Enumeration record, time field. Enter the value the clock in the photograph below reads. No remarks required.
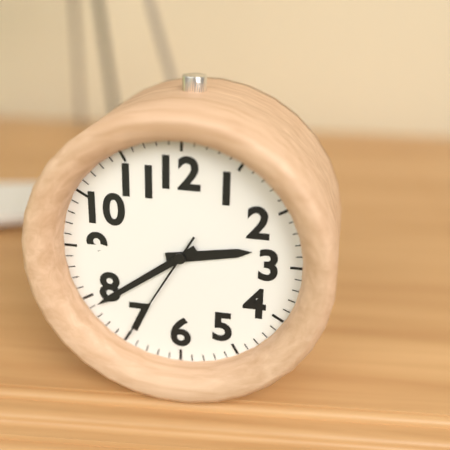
2:39:35
